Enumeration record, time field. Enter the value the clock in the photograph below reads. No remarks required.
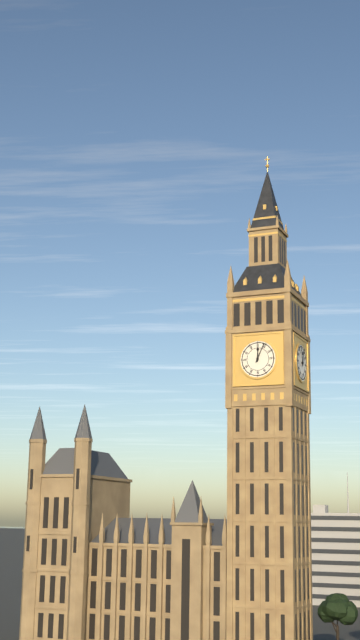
12:04
